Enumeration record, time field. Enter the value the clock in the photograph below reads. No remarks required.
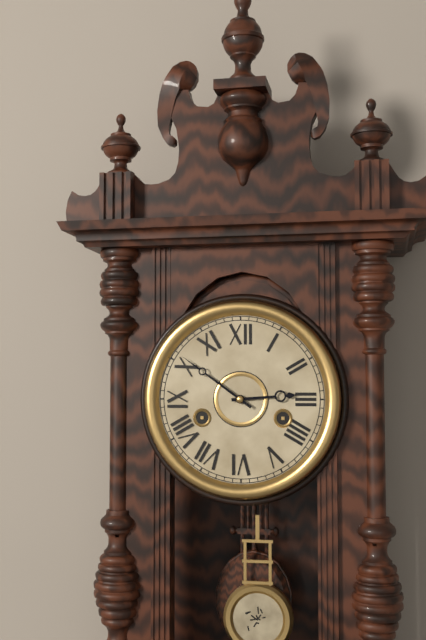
2:51
